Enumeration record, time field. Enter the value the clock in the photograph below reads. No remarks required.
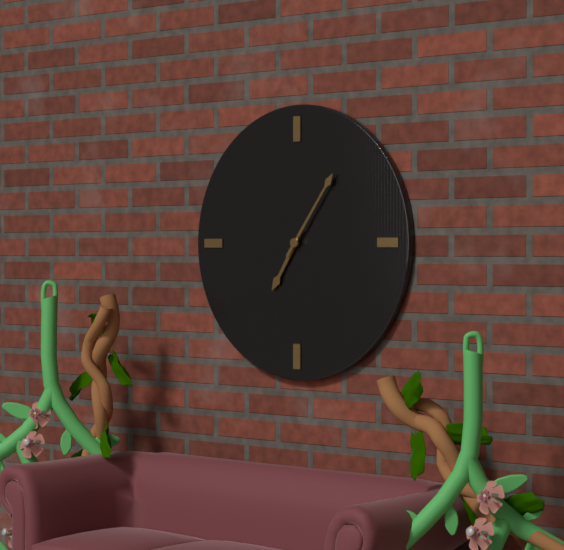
7:06
